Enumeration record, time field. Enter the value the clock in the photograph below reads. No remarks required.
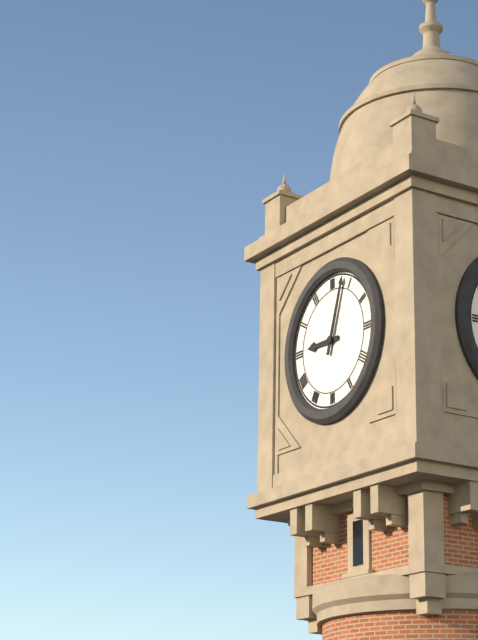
9:03
